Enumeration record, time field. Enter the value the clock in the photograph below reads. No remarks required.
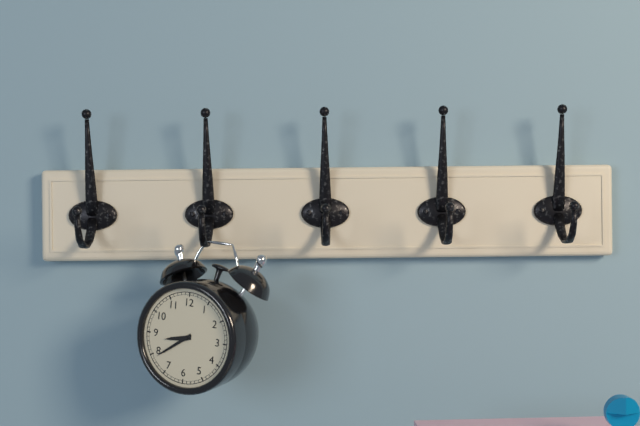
8:39
